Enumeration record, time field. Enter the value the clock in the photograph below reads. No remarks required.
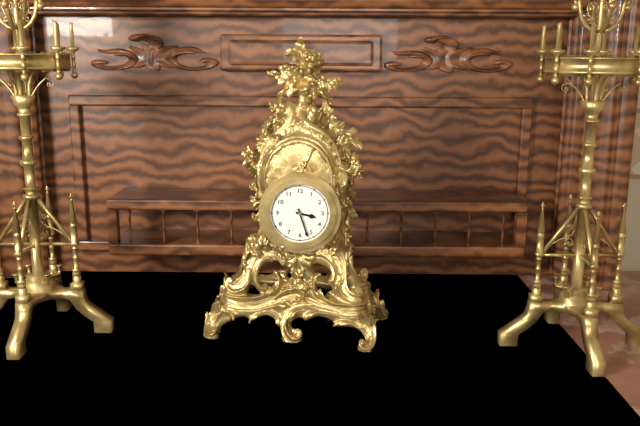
3:27
